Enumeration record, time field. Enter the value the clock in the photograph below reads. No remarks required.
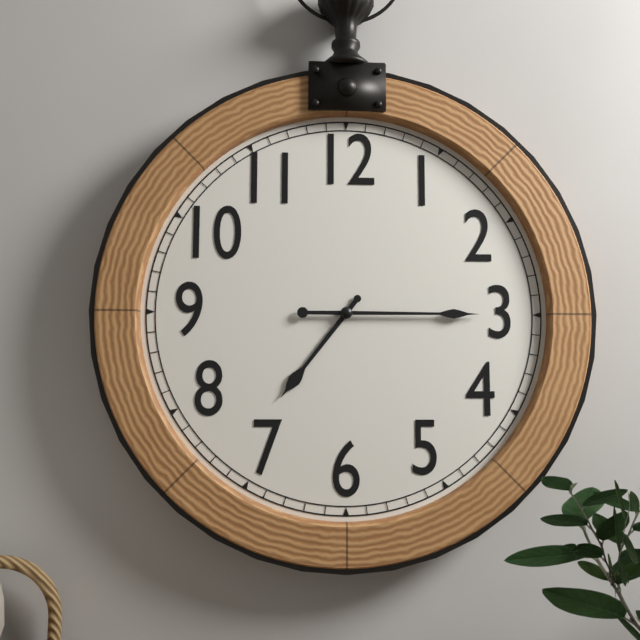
7:15
